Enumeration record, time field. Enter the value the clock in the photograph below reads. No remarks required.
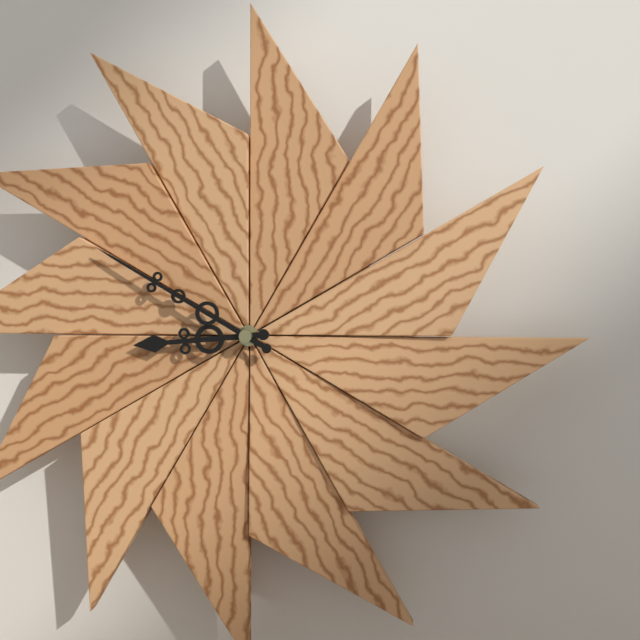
8:50
